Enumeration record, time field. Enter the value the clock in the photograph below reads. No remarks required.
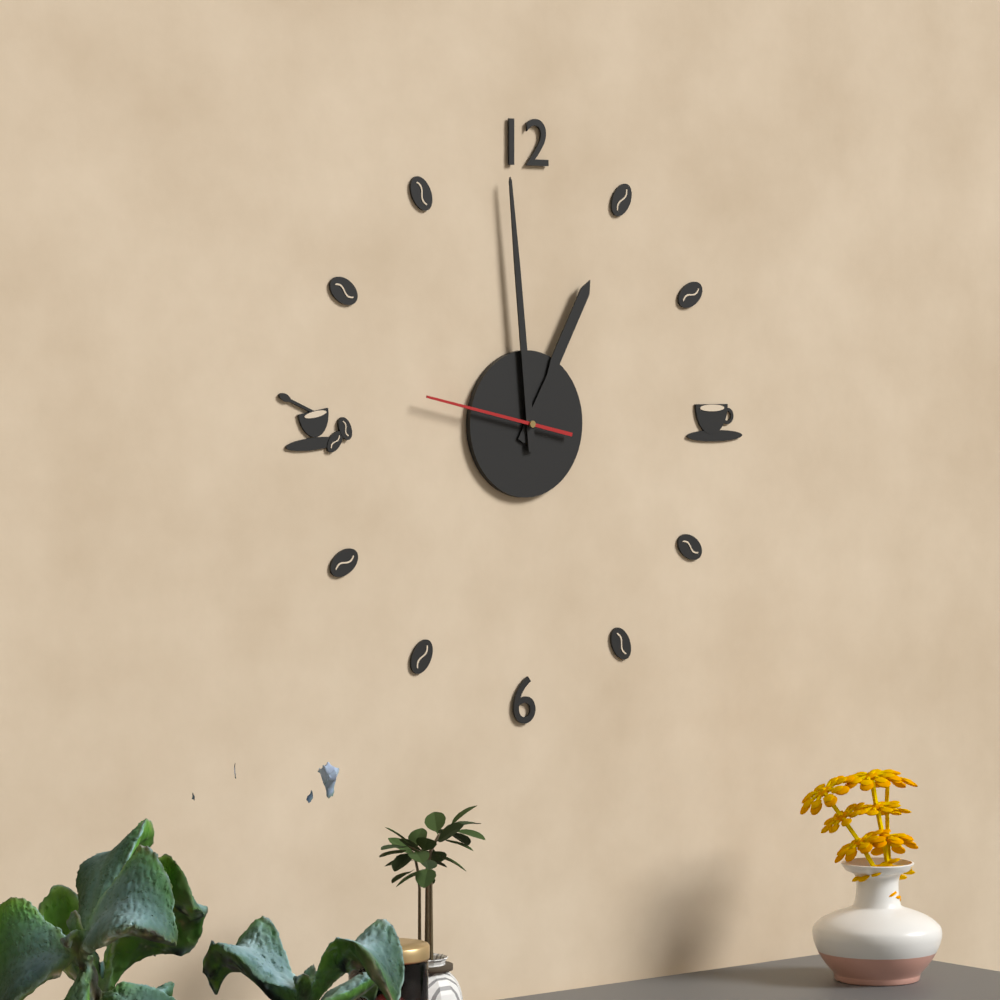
12:59:47
